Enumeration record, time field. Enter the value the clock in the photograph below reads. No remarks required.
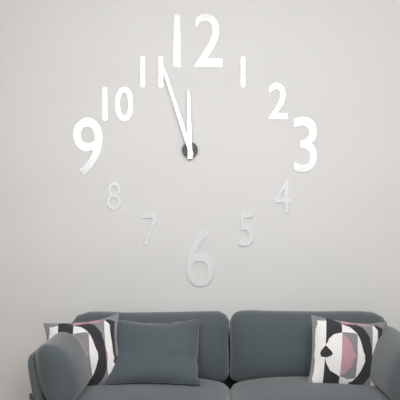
11:57
